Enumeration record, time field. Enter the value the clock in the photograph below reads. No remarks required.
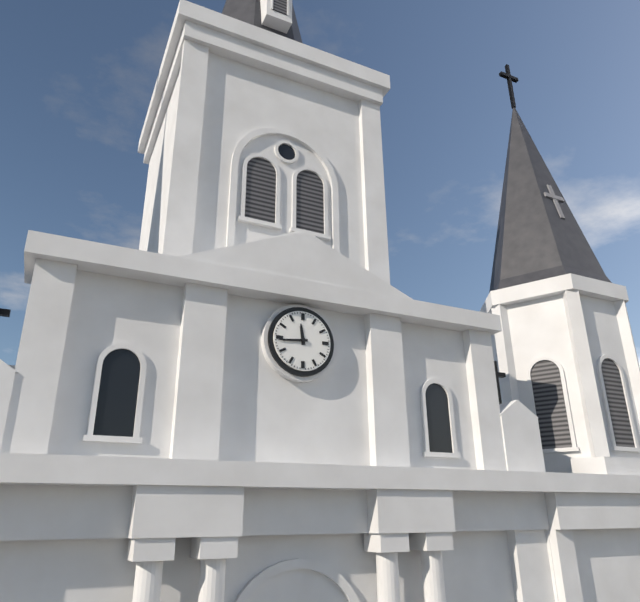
11:44
